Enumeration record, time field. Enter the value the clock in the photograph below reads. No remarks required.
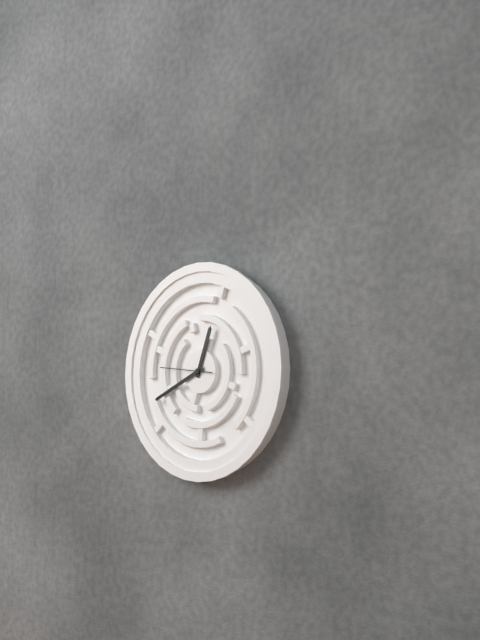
12:41
